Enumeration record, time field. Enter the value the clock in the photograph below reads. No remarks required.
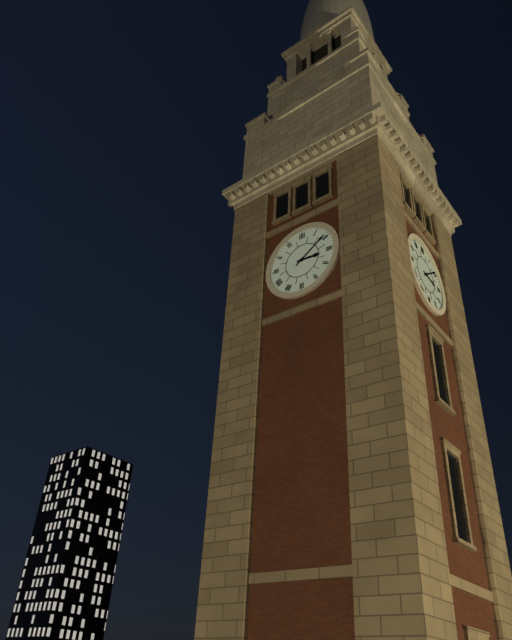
3:09
